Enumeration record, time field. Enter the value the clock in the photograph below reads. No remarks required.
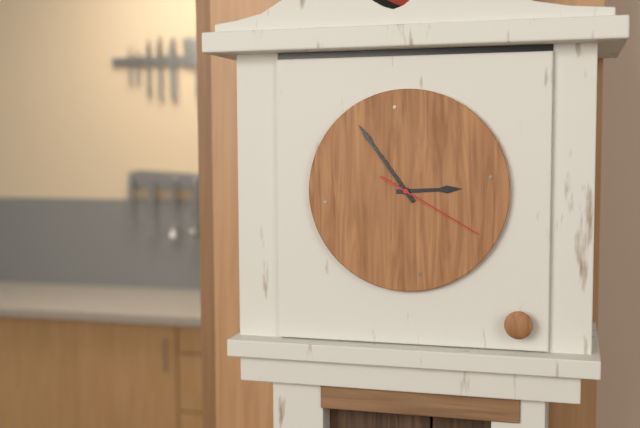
2:54:20
